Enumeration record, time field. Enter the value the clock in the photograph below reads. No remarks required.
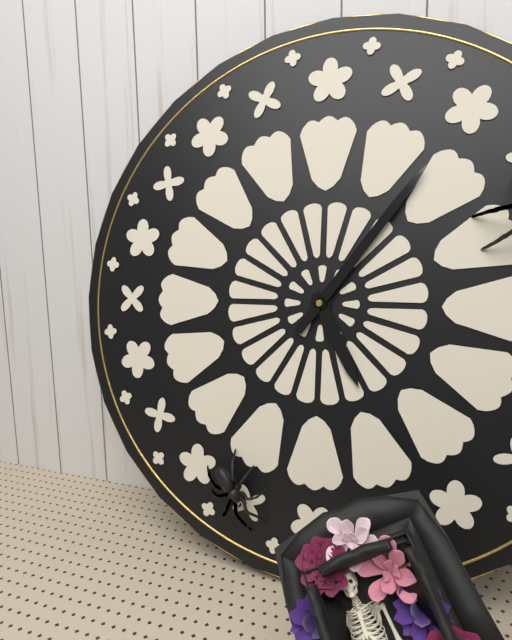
5:06
